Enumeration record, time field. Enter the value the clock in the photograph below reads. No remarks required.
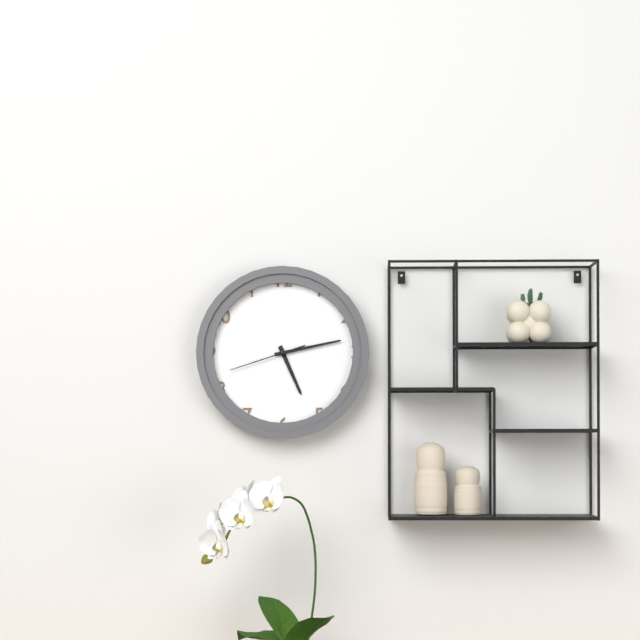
5:13:42
